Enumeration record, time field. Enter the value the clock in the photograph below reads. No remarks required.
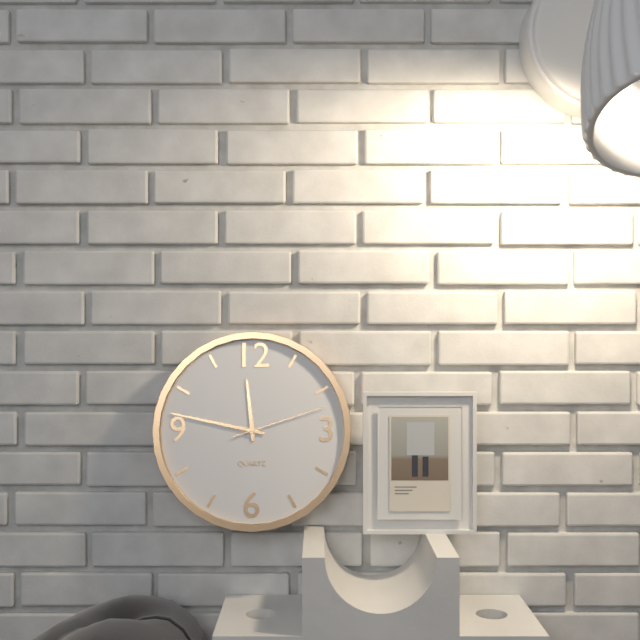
11:47:12
